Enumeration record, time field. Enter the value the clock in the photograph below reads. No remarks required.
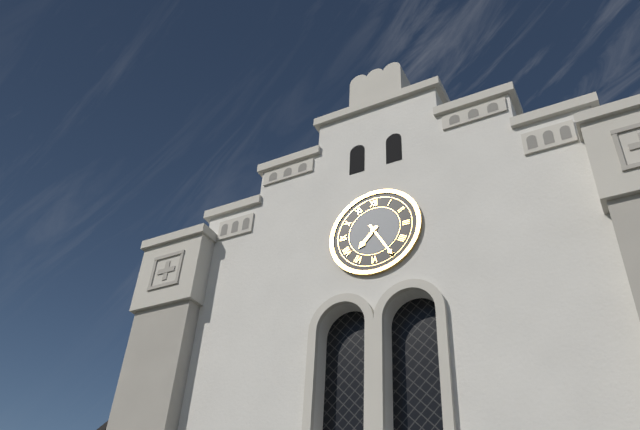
7:25
